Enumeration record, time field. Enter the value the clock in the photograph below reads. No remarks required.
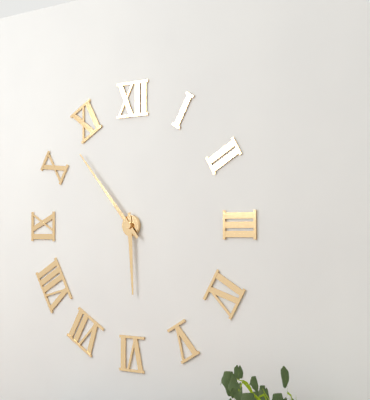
5:53
